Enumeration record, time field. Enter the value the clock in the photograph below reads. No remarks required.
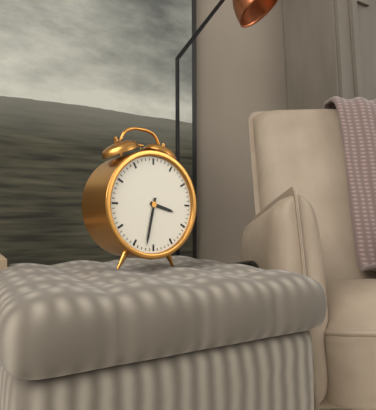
3:32
